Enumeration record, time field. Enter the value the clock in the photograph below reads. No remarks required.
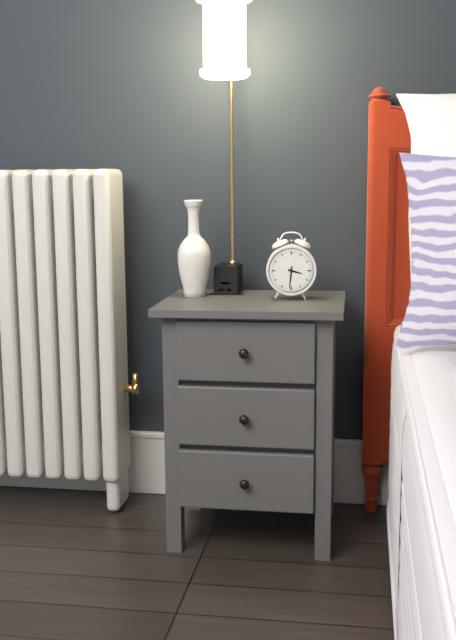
3:31
